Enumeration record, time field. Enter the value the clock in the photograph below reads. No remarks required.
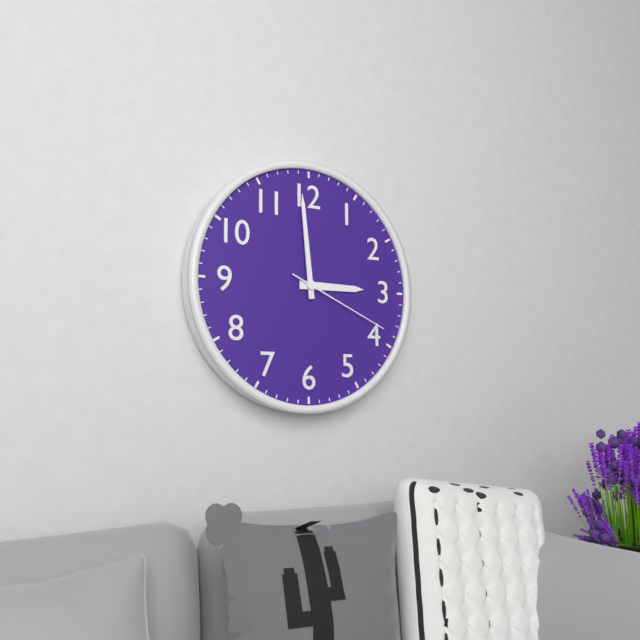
2:59:19
